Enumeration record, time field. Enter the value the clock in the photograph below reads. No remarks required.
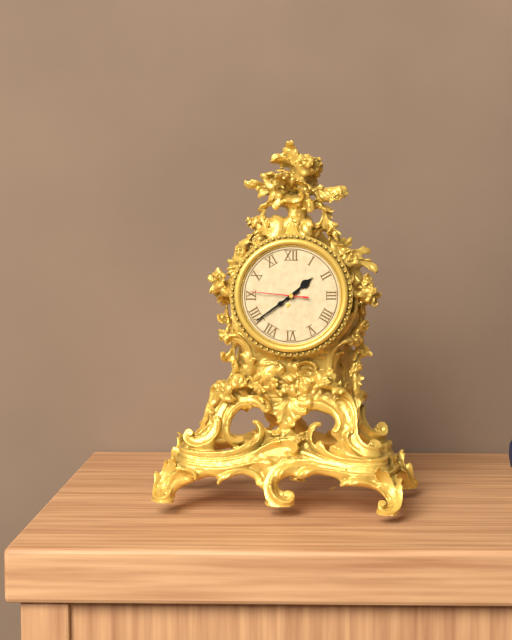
1:39:46
